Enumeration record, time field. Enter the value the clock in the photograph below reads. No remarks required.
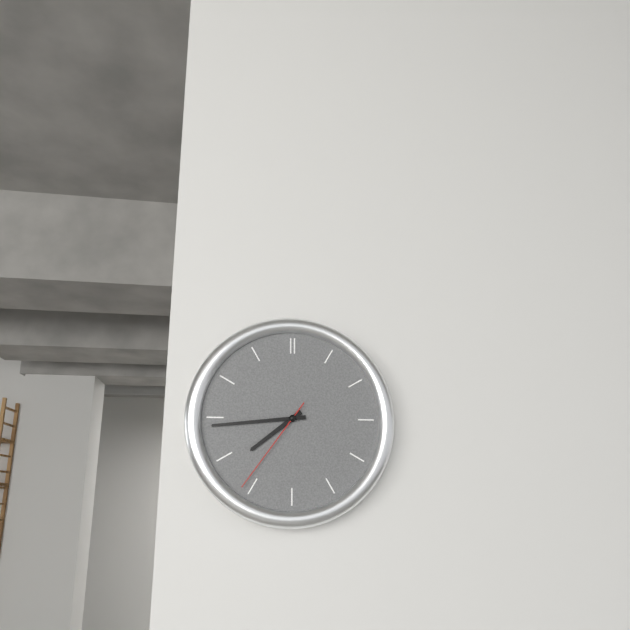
7:44:36
